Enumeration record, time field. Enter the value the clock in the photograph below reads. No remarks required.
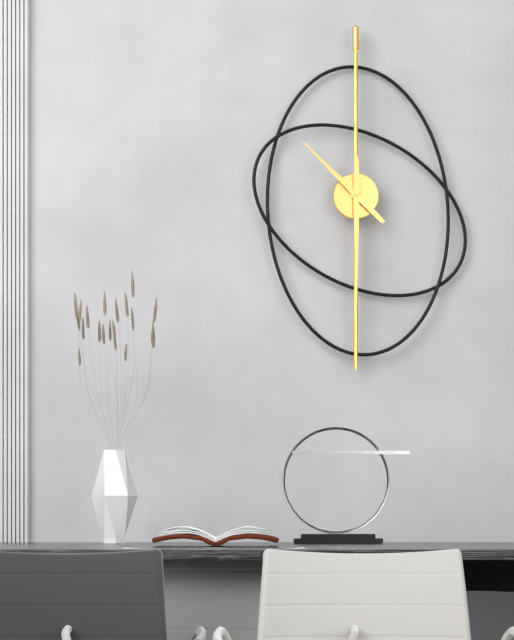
10:30
